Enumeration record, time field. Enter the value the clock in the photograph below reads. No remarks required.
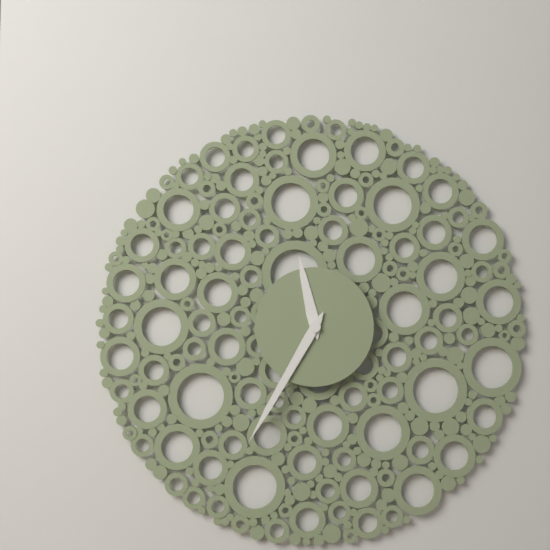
11:35
